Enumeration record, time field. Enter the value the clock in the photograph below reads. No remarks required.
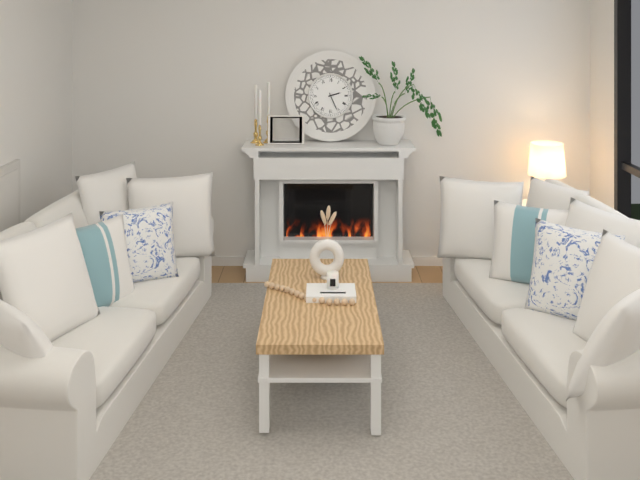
2:26
